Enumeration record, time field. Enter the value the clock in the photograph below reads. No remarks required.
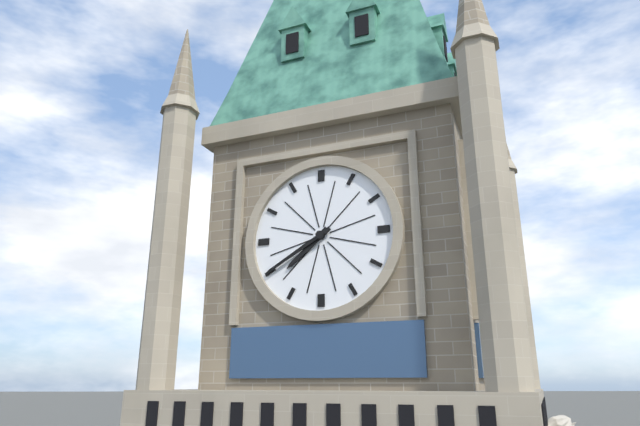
7:40
